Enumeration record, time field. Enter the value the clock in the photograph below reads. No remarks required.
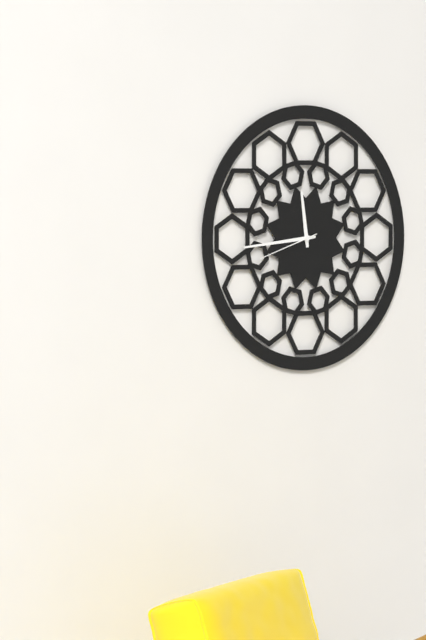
11:44:42
